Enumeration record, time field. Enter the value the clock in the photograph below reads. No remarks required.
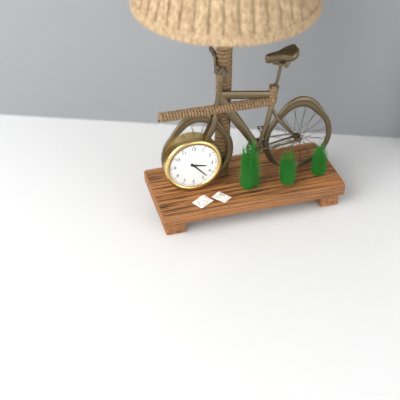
3:23
